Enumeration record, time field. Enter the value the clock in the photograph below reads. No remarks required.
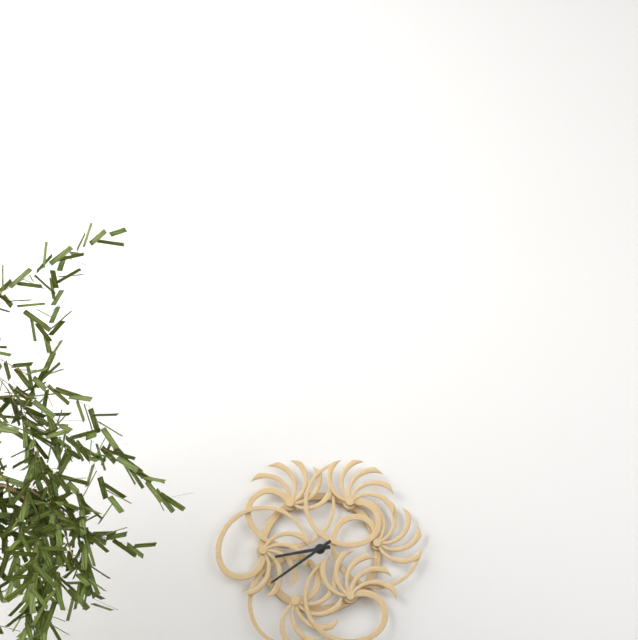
8:39
